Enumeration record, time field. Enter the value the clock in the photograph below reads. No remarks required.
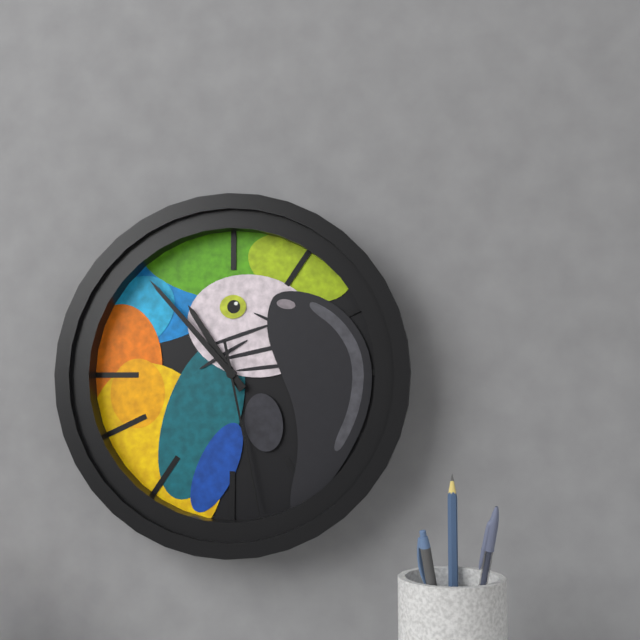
10:53:28
